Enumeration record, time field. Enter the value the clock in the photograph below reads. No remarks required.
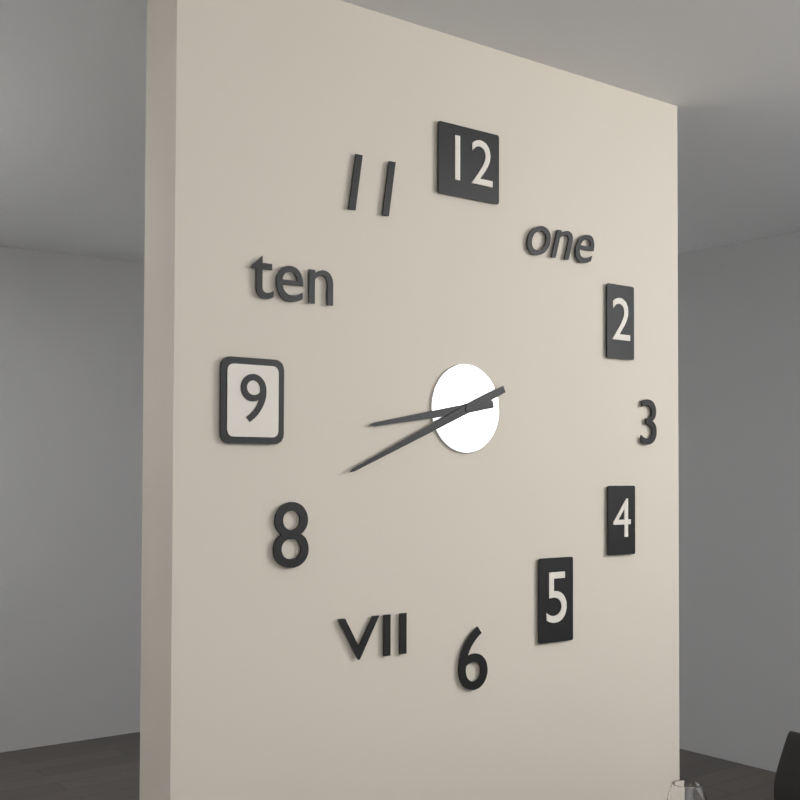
8:41
